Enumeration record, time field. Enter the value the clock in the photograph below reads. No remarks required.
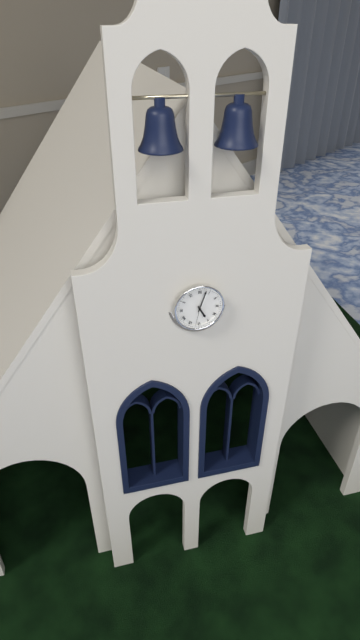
5:03
